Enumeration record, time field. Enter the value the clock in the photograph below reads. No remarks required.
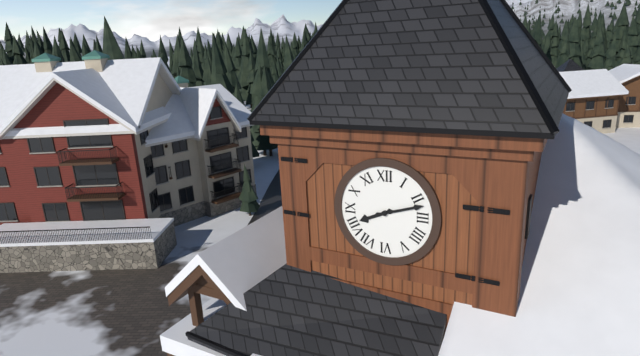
8:12
